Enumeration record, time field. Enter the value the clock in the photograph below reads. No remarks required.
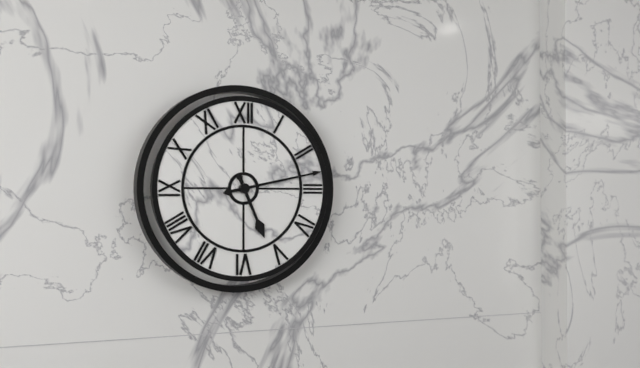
5:13
